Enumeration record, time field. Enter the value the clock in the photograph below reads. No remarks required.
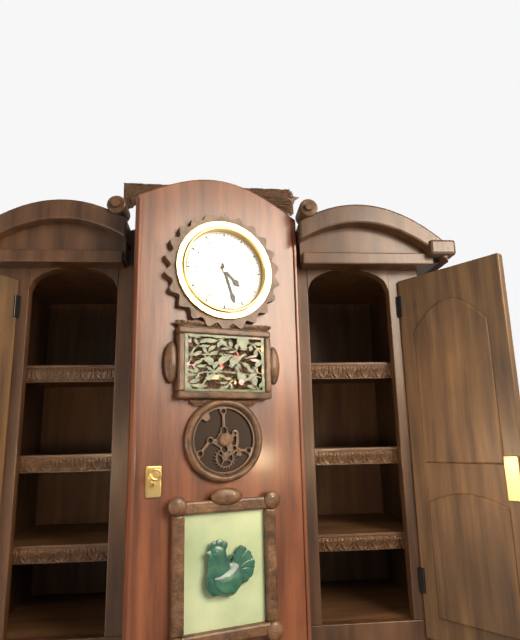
4:27
